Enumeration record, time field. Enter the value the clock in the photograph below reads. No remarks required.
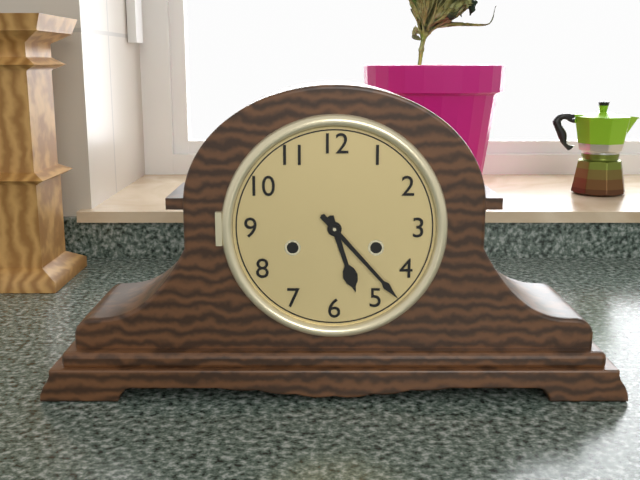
5:23
